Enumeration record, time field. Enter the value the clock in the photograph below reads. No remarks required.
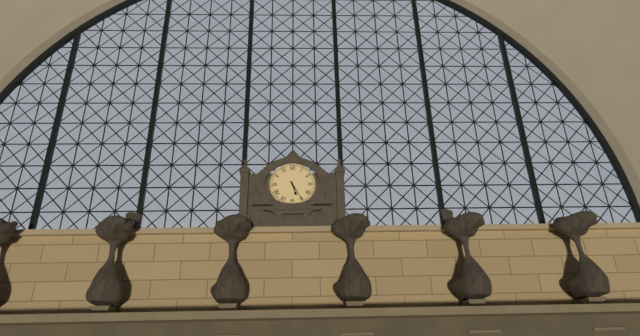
5:25
